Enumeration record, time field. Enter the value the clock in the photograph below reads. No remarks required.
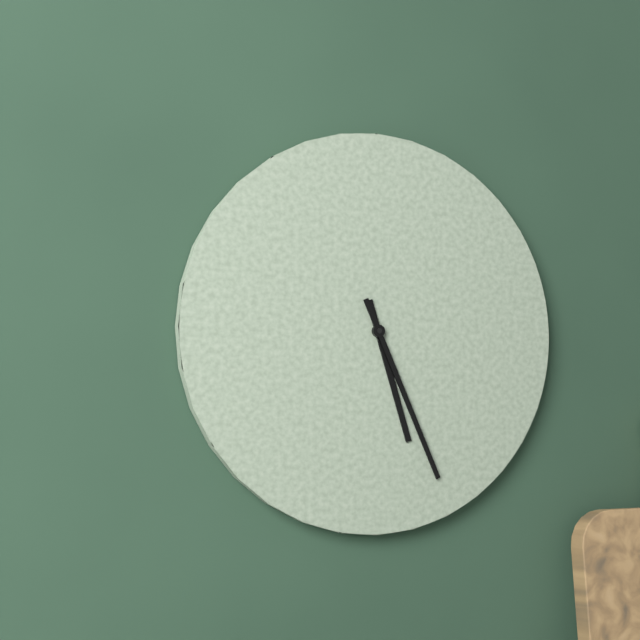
5:26
